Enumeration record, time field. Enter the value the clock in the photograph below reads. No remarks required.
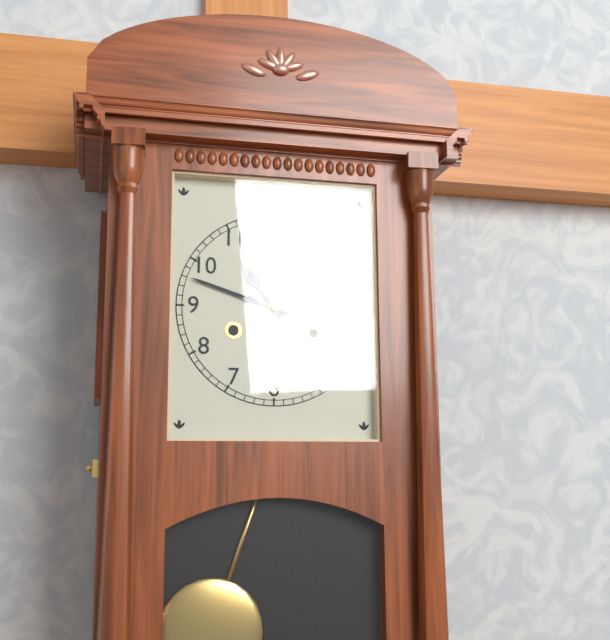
10:48
